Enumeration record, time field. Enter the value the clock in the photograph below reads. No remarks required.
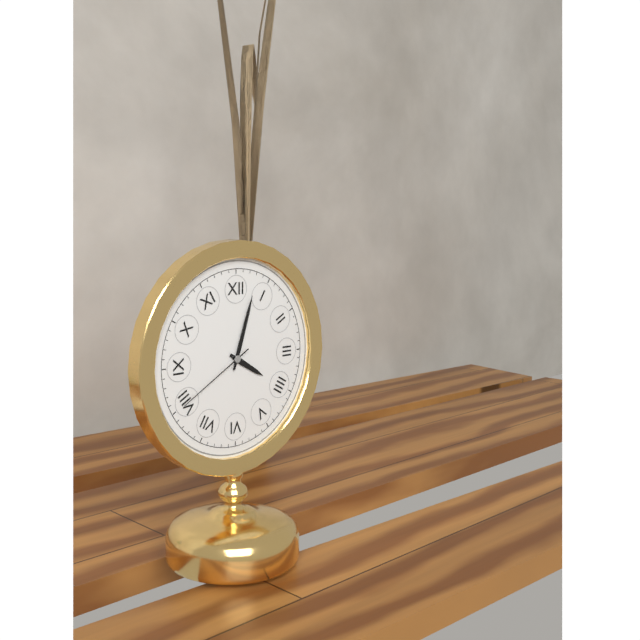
4:03:40
